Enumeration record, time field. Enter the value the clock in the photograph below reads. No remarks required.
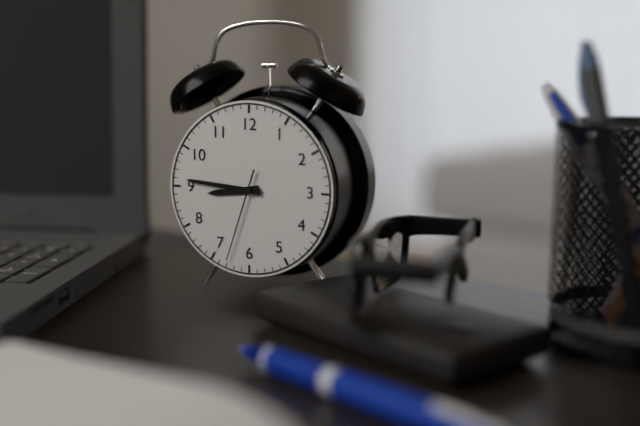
8:46:33
